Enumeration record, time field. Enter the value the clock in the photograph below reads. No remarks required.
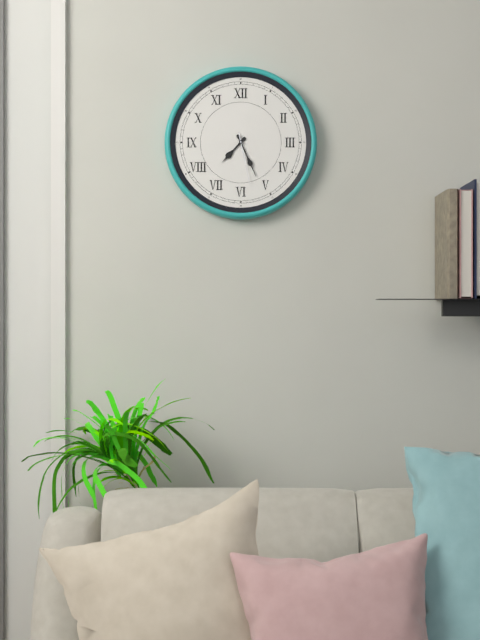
7:26:28
